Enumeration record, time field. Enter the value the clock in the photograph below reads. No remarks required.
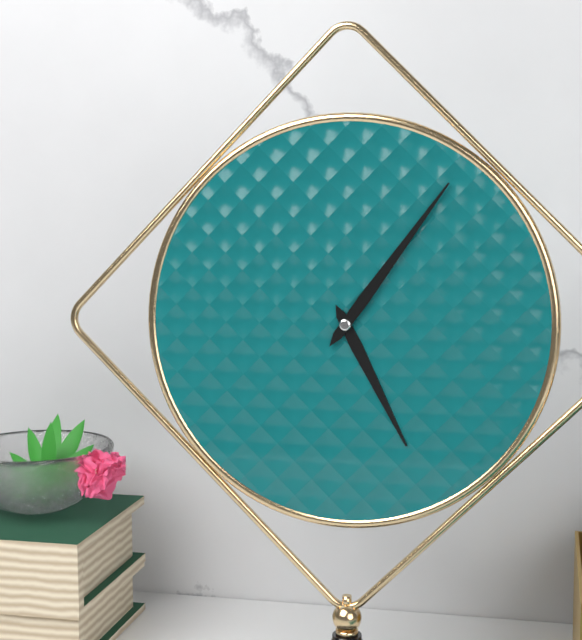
5:06
